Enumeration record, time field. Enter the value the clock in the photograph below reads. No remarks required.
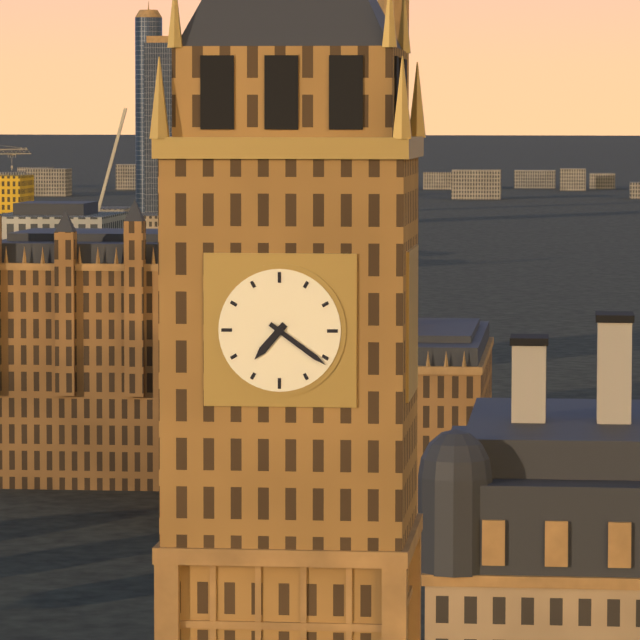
7:21
